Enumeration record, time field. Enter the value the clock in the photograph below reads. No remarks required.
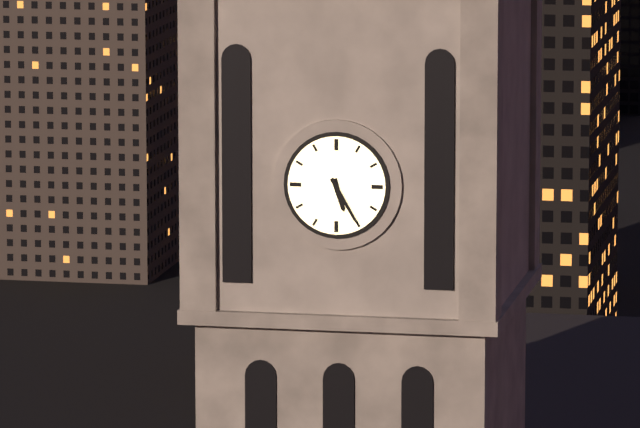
5:25
